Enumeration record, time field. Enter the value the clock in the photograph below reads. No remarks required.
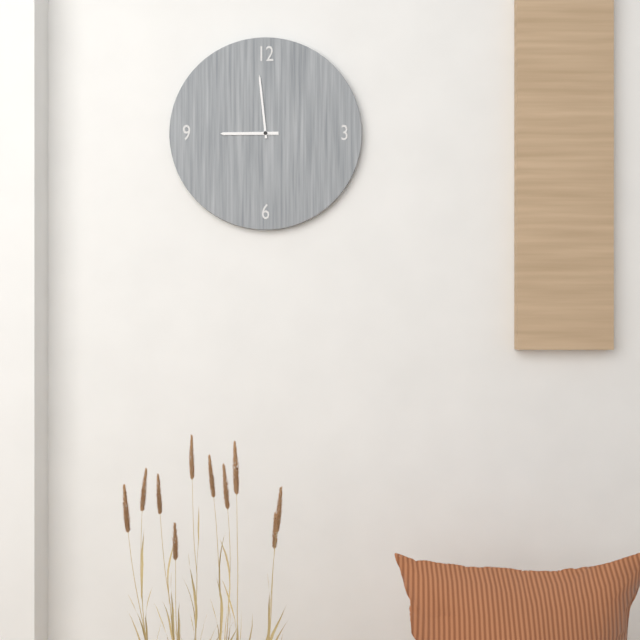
8:59
